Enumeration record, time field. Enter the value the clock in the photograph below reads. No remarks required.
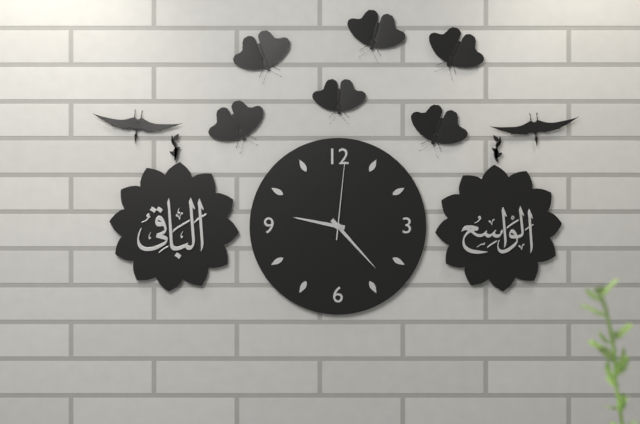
9:23:01
